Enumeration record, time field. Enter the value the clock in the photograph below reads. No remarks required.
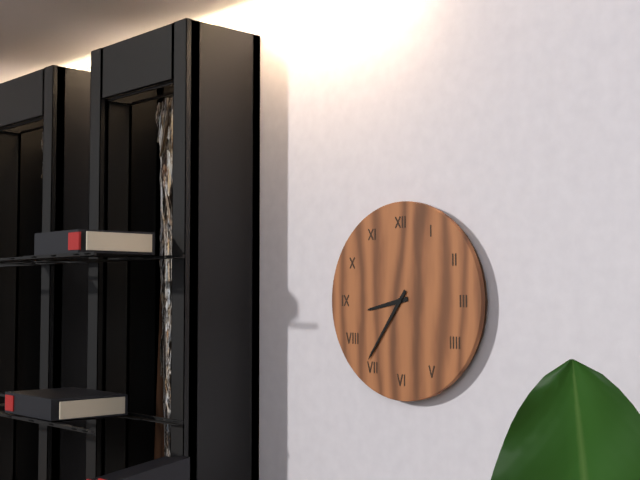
8:36
